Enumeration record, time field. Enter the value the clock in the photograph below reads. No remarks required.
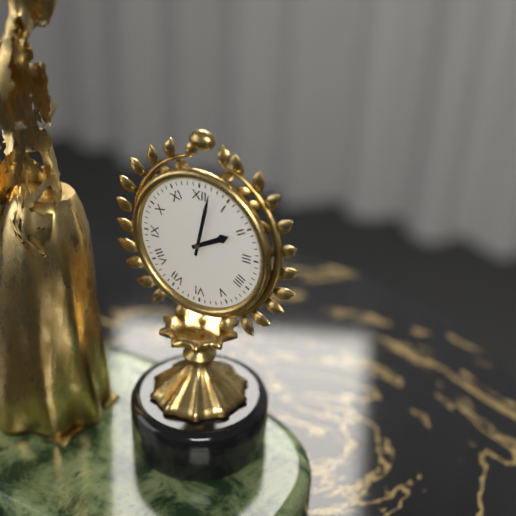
2:02
